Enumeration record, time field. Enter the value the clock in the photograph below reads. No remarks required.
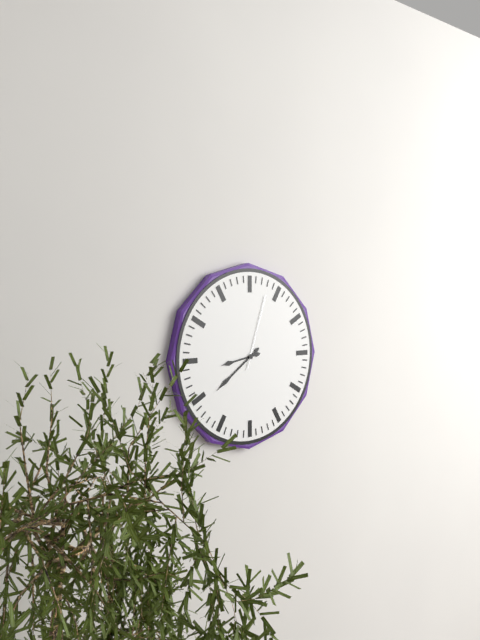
8:39:03
